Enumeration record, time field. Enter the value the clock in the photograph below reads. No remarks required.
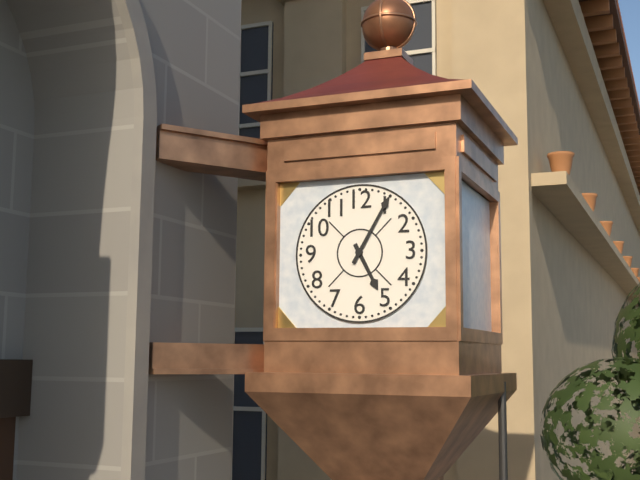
5:05
